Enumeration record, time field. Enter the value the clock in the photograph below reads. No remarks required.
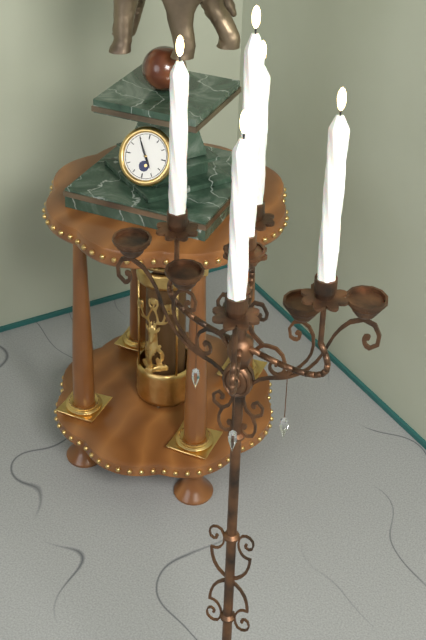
4:55
